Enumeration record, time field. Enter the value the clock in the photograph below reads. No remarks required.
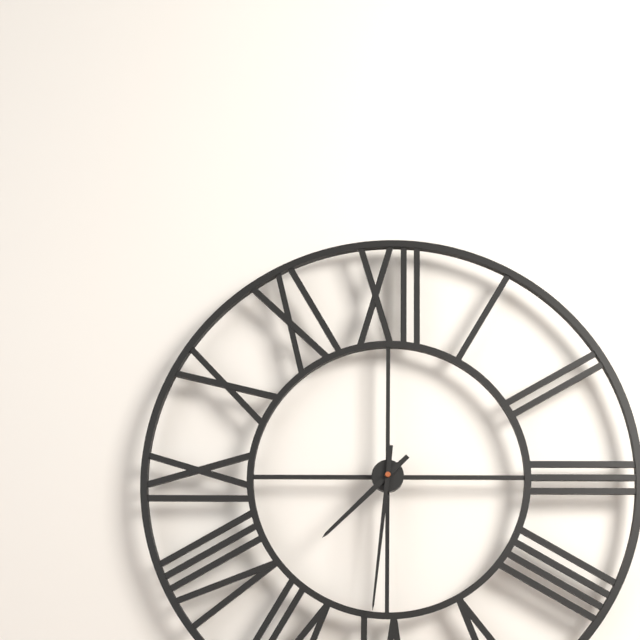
7:31
